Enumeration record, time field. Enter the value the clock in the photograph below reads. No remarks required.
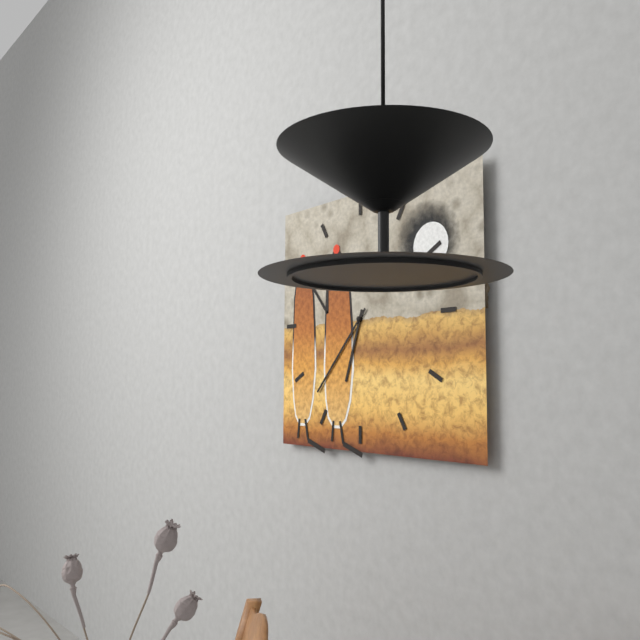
6:37
